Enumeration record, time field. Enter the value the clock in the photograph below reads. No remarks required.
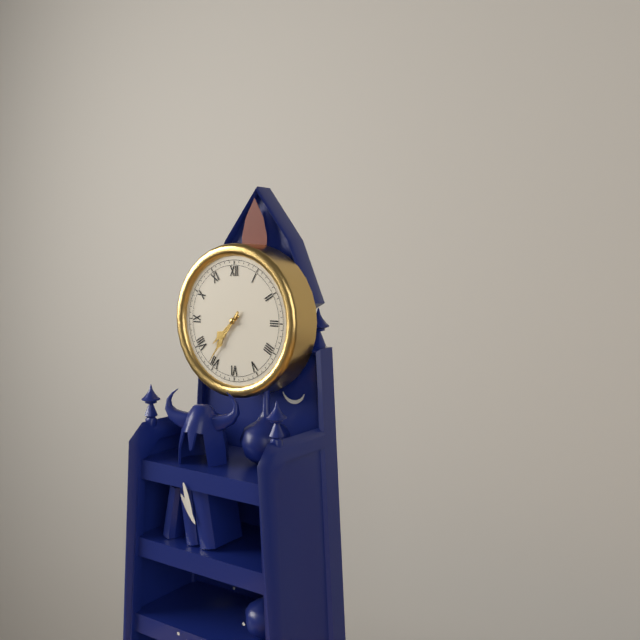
7:36
